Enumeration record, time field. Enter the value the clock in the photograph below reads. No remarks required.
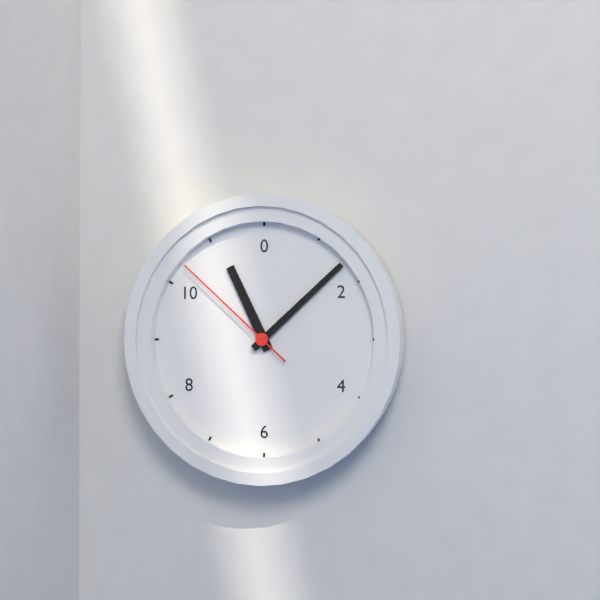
11:08:52
